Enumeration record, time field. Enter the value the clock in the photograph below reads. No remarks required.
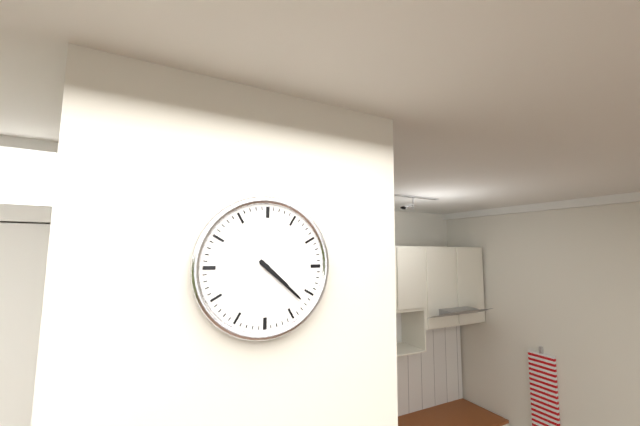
4:22
